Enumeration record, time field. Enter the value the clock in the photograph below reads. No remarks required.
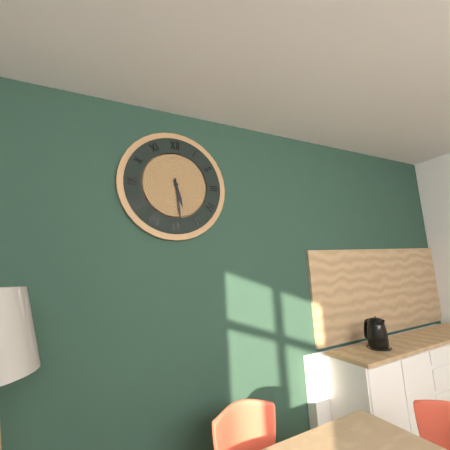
5:29
